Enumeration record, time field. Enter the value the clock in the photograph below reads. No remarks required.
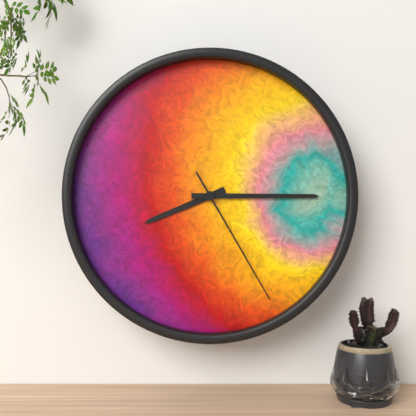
8:15:25
